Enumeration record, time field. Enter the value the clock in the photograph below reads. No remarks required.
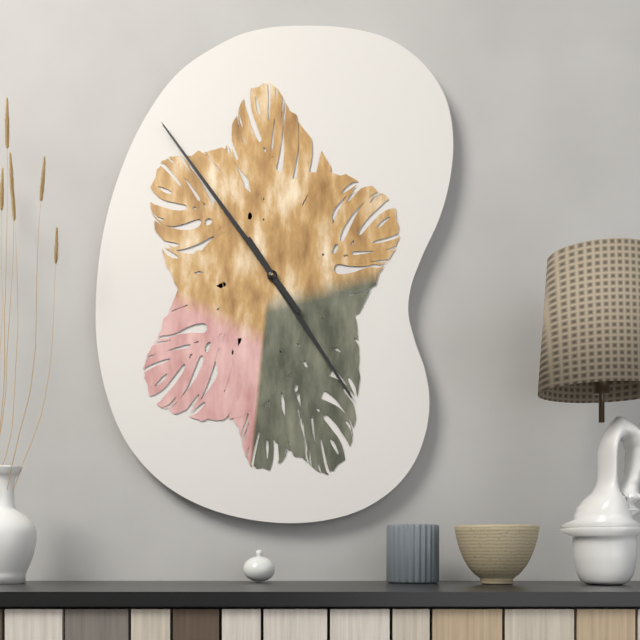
4:54
